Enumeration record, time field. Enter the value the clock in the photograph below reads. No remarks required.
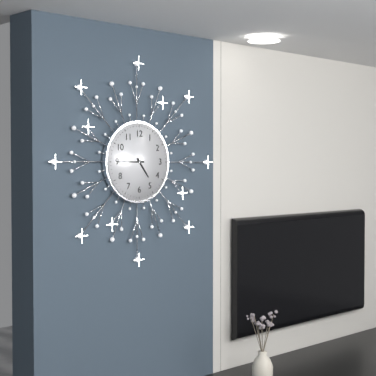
4:45
